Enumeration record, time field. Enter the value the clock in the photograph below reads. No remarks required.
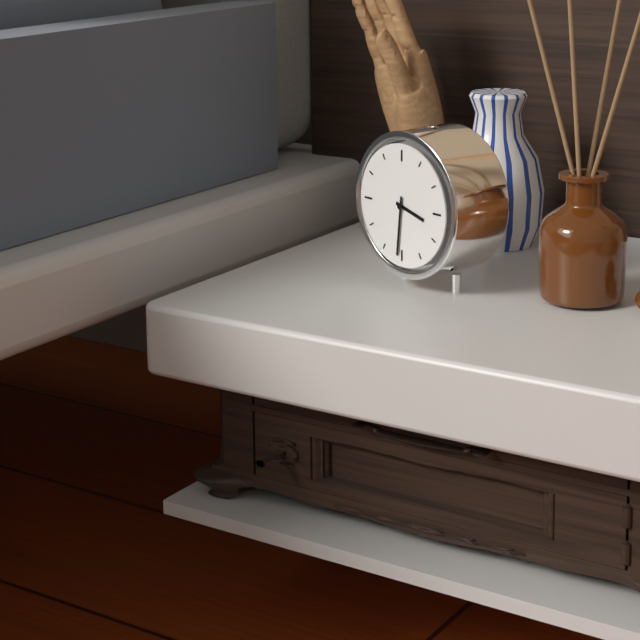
3:31
